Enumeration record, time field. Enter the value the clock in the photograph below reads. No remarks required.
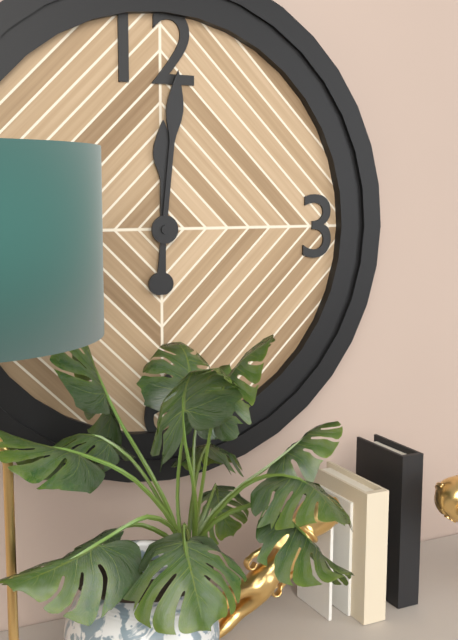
12:01
